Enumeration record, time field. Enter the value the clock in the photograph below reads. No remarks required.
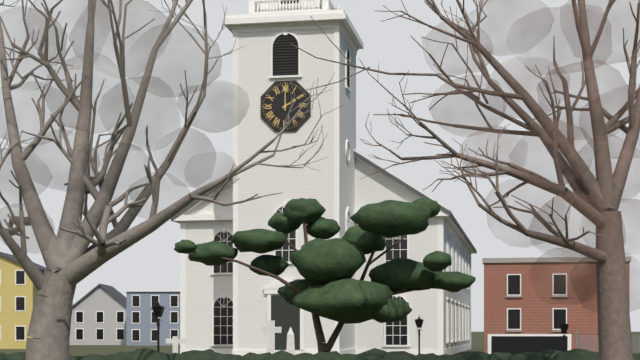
2:00
